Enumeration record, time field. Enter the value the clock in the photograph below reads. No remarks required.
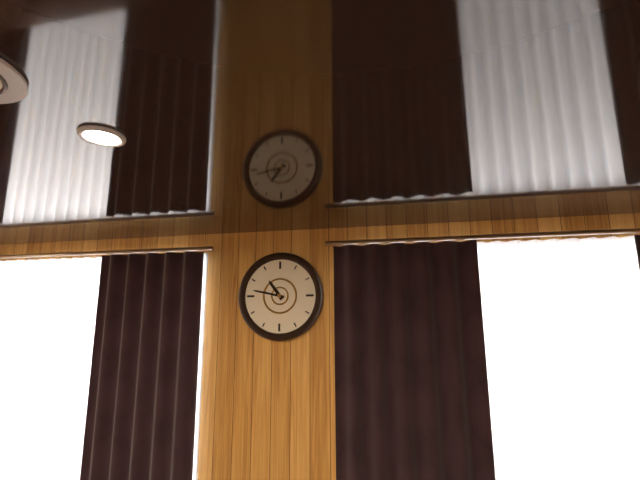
10:47
